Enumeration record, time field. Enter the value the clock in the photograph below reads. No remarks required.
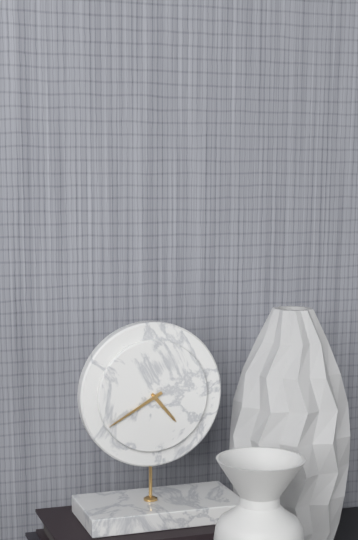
4:40
